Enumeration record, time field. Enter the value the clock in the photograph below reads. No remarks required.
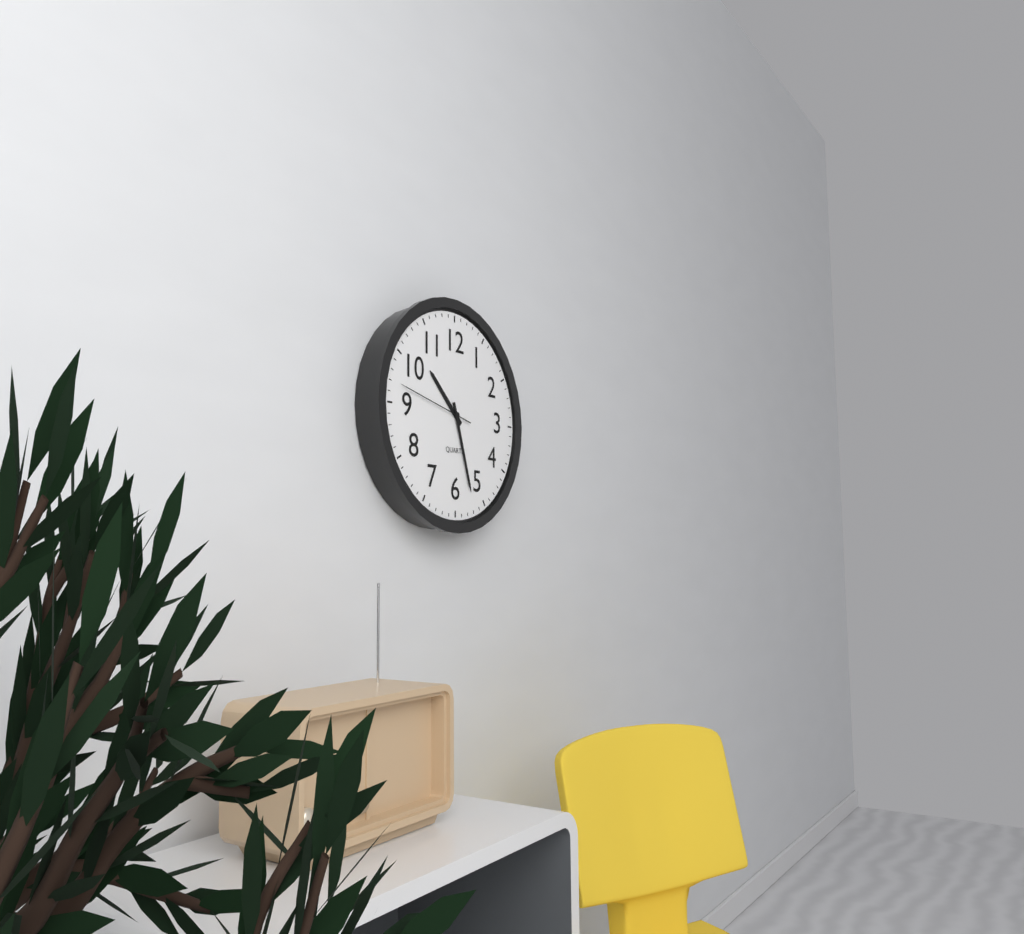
10:27:47
